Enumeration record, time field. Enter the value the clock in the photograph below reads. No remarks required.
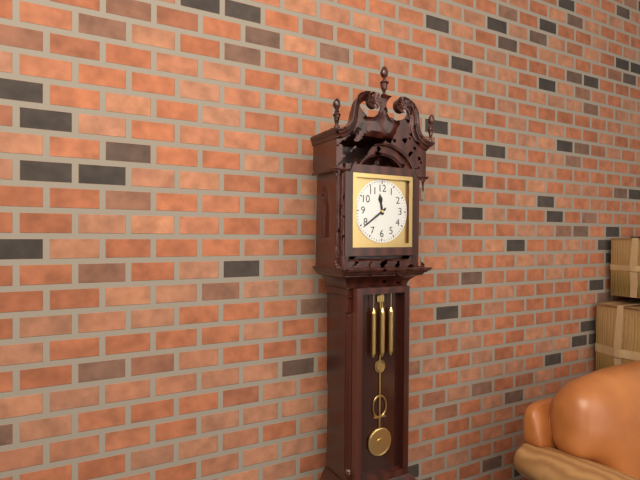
11:39
